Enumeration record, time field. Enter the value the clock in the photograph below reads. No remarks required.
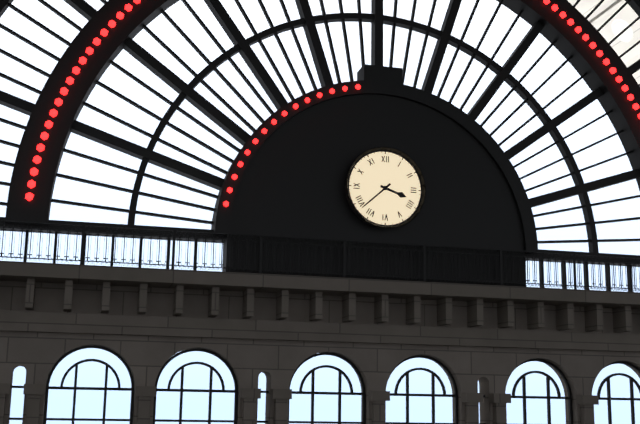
3:38
